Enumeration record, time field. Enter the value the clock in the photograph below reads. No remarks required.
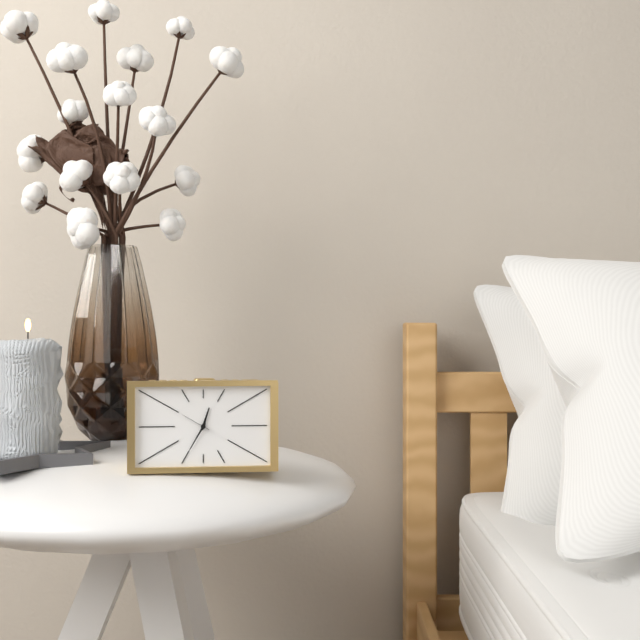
12:35
